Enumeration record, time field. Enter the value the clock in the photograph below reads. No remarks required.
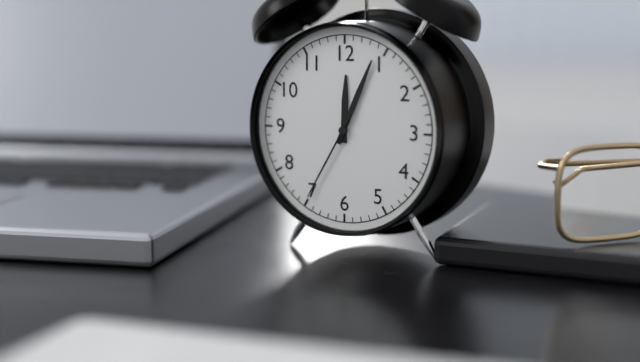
12:04:35
